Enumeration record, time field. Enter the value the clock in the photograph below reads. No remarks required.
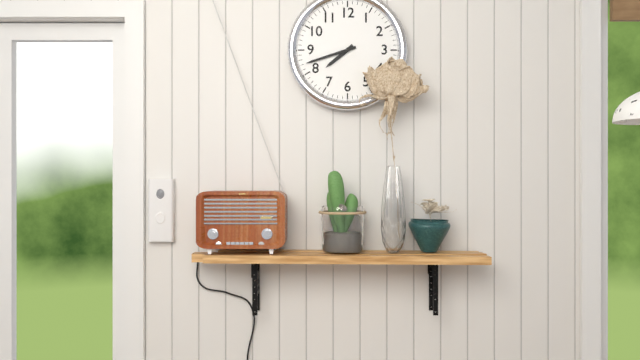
7:42
